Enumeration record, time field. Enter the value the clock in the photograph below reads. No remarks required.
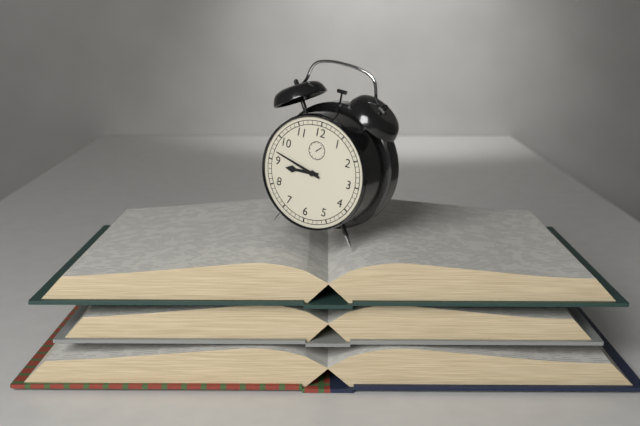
8:47
